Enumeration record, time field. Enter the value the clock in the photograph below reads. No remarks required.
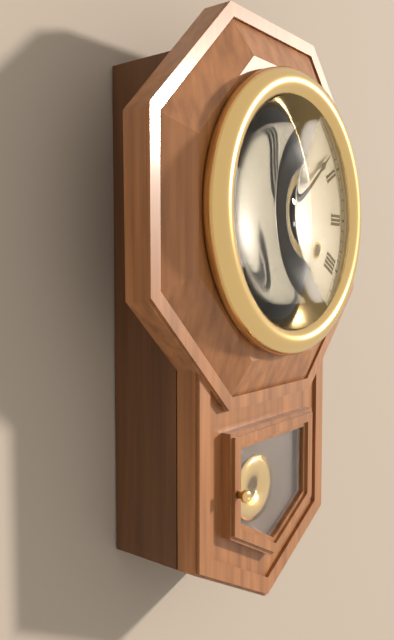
12:08
